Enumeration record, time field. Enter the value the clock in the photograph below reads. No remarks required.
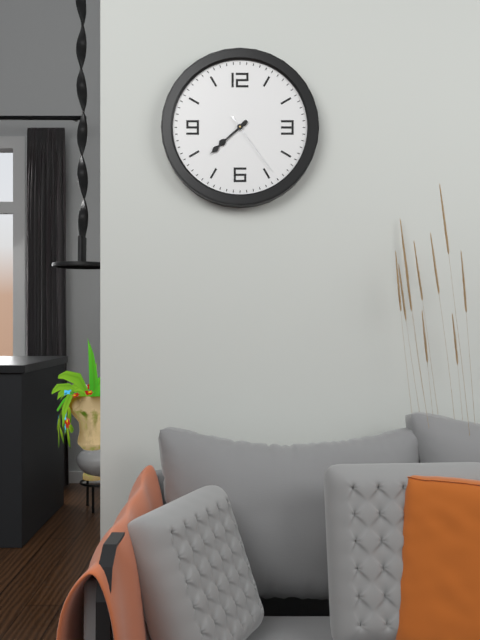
7:38:24
